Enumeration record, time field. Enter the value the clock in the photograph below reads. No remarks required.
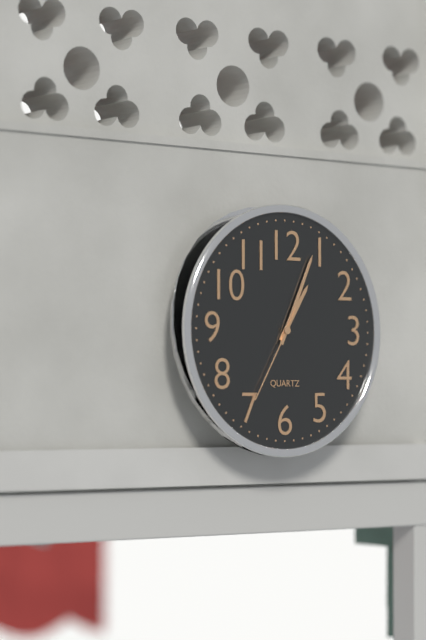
1:04:35
